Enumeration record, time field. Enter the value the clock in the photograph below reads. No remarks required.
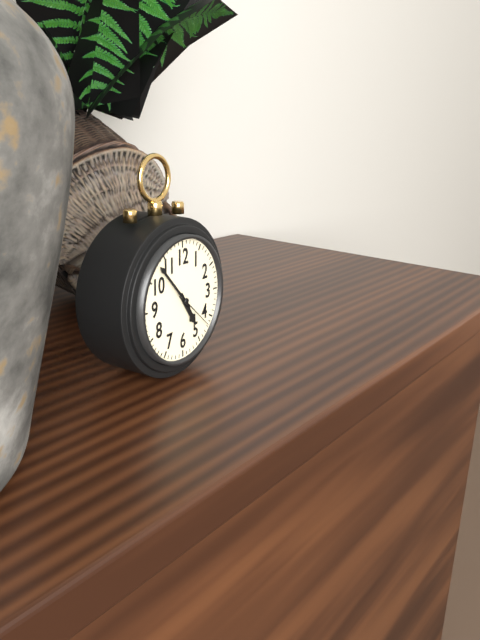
4:53
